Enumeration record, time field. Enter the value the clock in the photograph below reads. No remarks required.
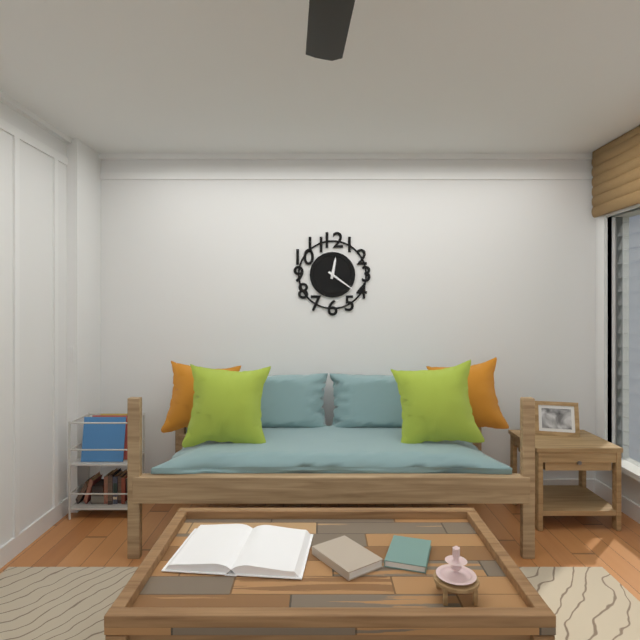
12:21
